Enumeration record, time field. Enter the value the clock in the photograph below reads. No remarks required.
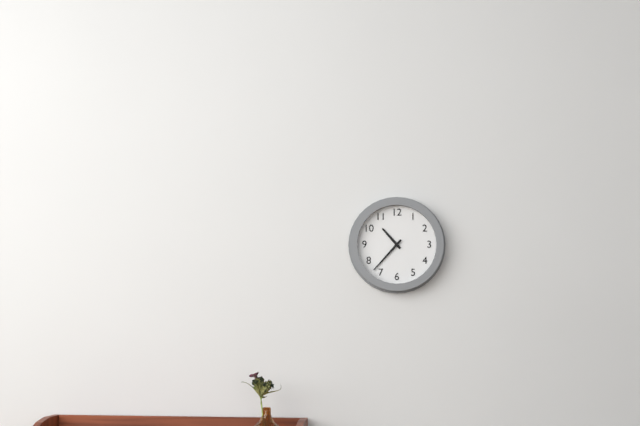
10:37
